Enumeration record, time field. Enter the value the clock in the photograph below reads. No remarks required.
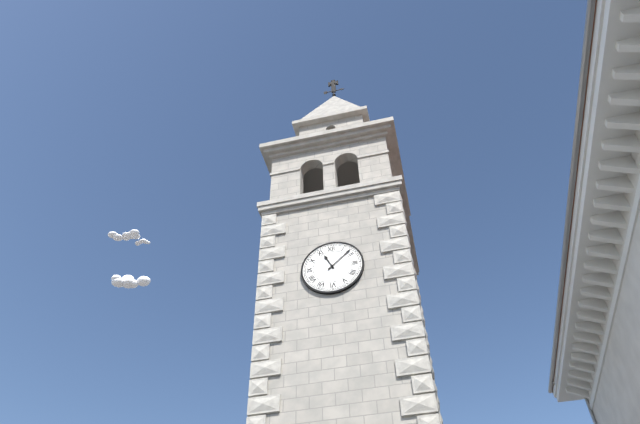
11:08
